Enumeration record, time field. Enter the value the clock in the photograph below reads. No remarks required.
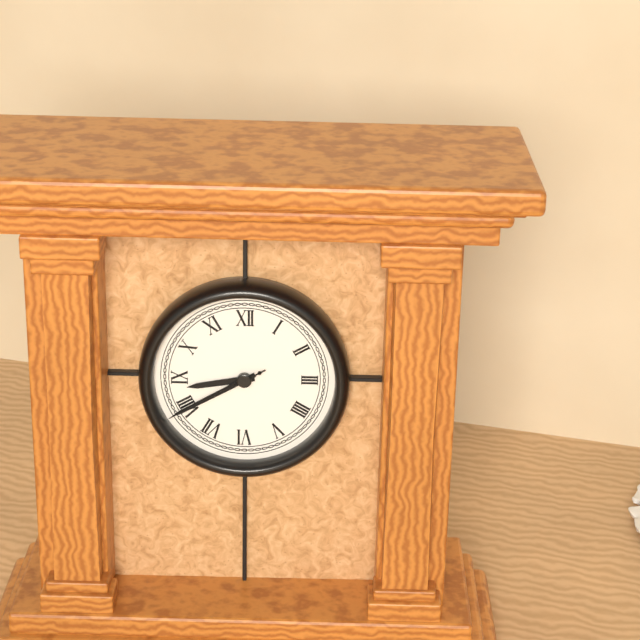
8:40:40
